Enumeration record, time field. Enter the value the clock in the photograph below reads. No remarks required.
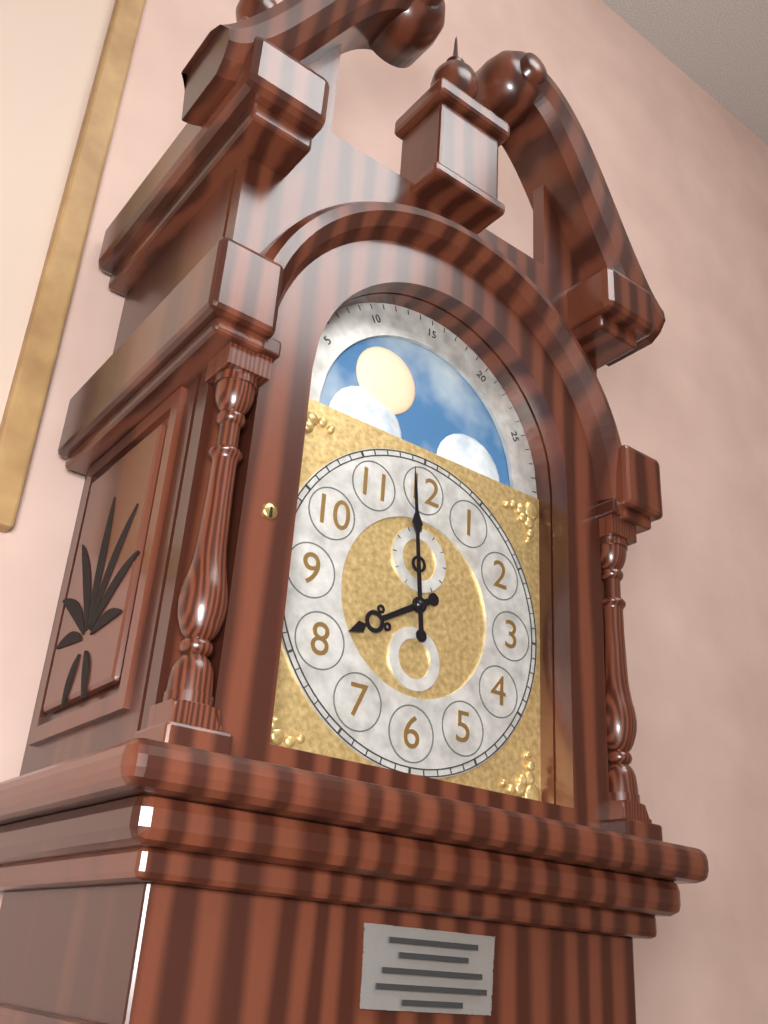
7:59
